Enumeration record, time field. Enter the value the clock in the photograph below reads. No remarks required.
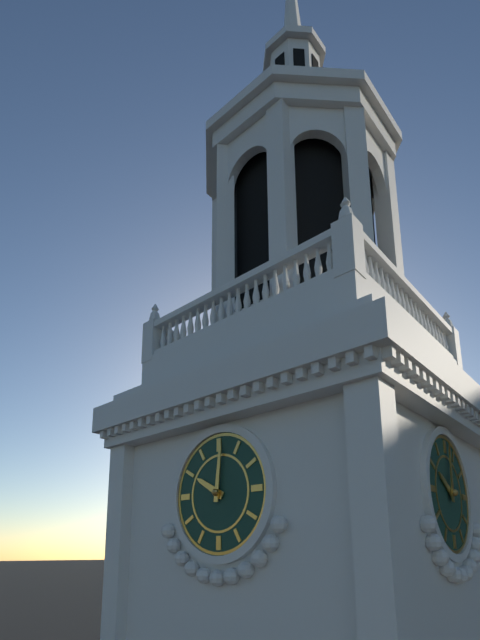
10:01
